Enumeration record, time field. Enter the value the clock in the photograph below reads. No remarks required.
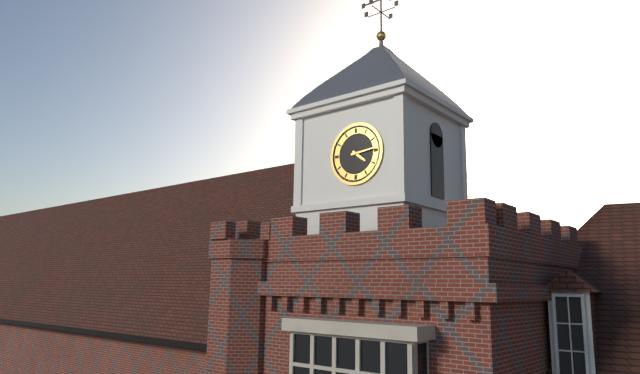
4:14
